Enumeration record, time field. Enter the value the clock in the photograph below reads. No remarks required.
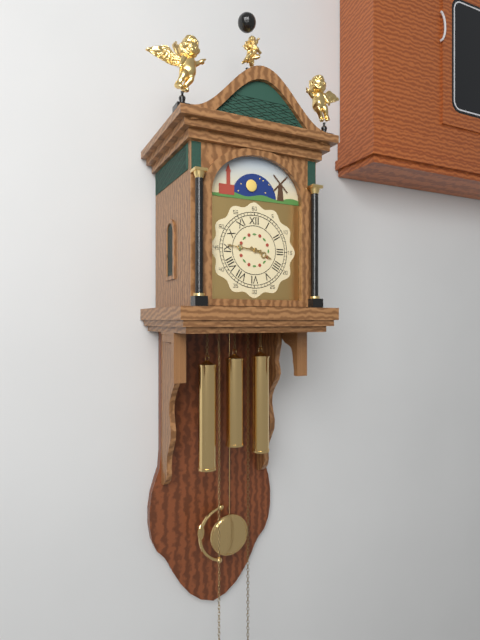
3:46
